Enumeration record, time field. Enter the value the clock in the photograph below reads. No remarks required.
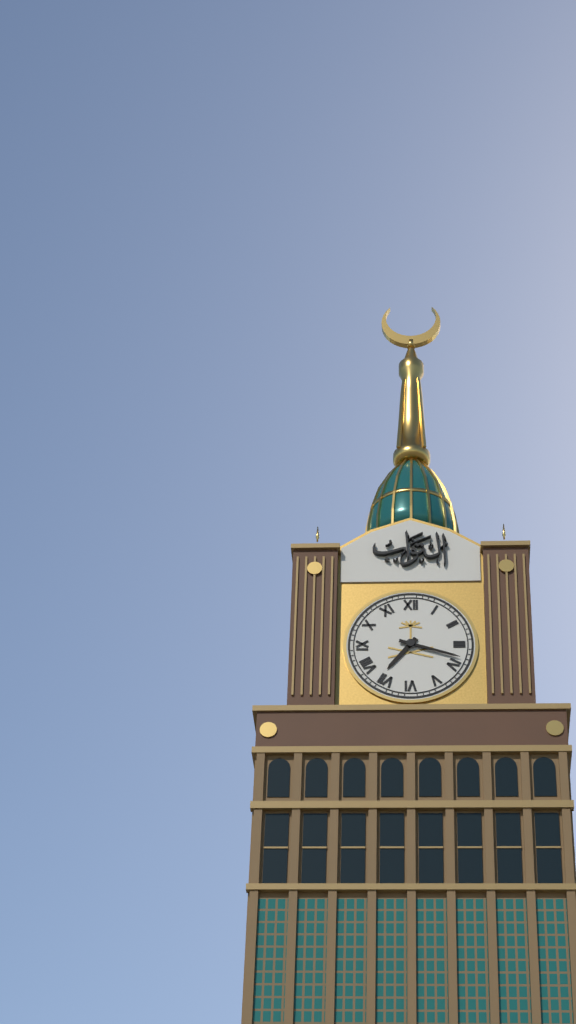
7:18
